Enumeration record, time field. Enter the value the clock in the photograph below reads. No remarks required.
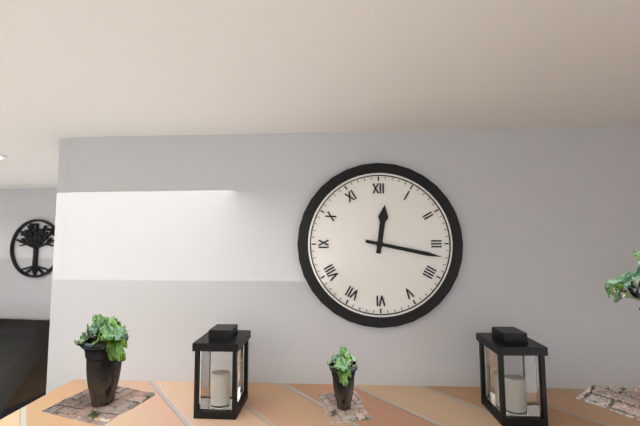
12:17
